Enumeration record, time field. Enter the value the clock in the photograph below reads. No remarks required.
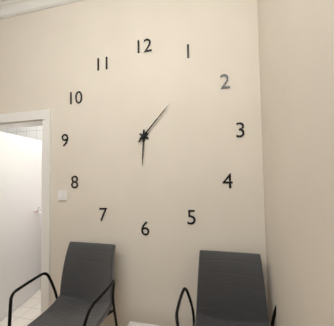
6:07
